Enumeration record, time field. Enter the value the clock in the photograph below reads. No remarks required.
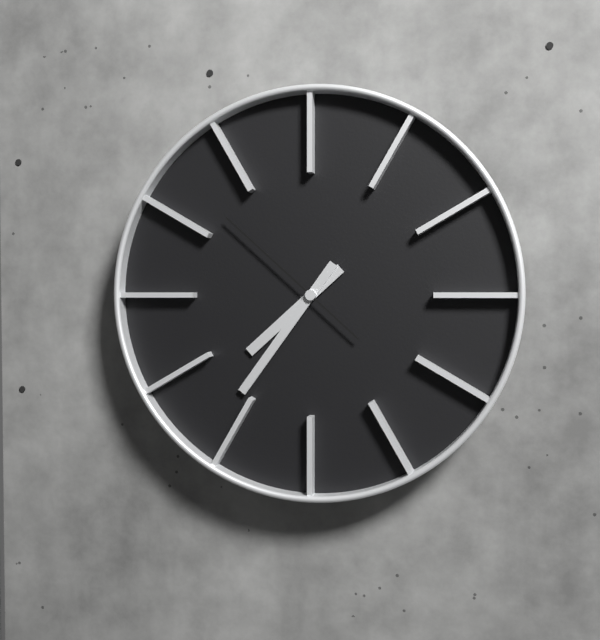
7:36:52
